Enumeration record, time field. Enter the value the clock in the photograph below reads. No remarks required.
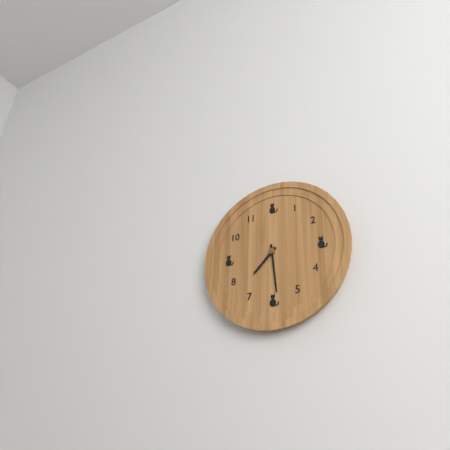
7:29
